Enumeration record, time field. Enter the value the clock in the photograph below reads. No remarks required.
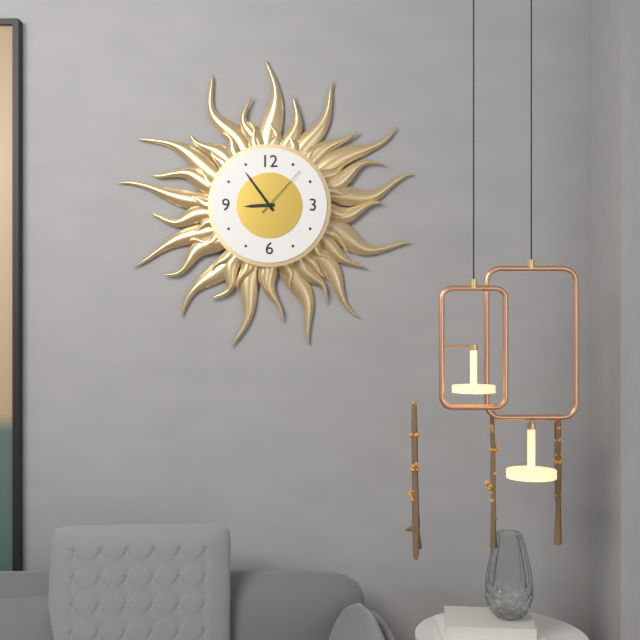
8:54:07
